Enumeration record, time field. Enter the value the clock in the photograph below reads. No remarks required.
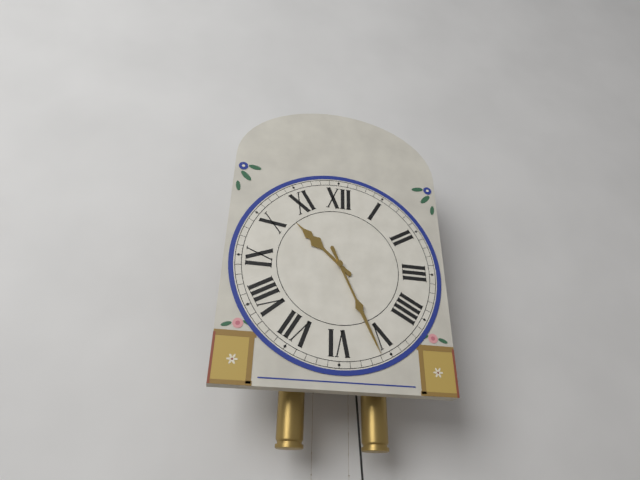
10:26
